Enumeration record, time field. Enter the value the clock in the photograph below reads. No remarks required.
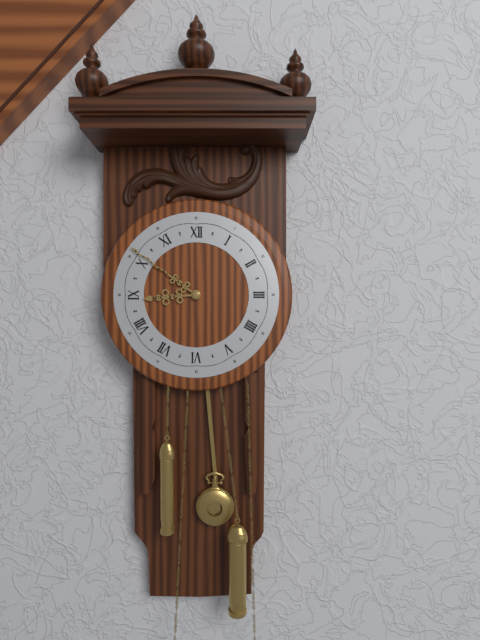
8:51
